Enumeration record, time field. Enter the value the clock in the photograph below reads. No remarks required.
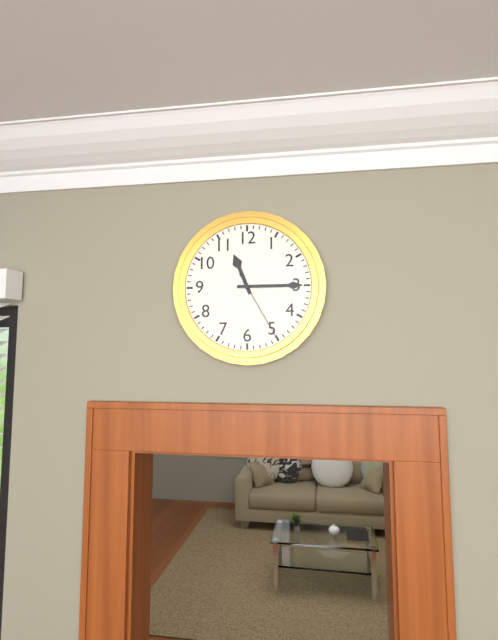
11:15:25
